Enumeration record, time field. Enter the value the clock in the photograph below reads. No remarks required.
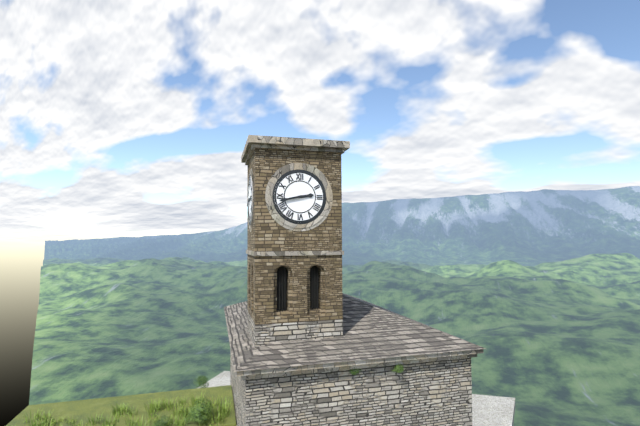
2:43
